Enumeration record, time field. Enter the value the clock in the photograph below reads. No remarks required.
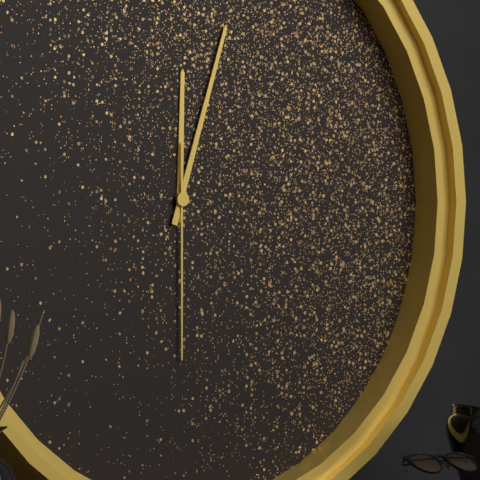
12:03:30
